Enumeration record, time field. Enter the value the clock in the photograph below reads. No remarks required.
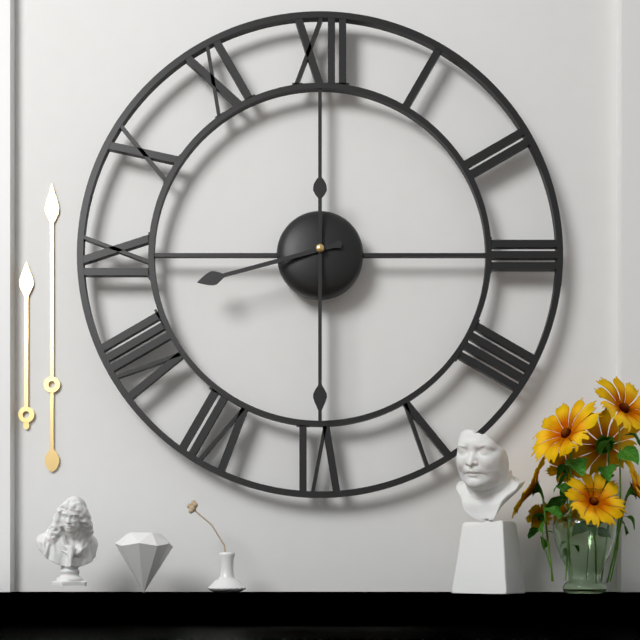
8:30
